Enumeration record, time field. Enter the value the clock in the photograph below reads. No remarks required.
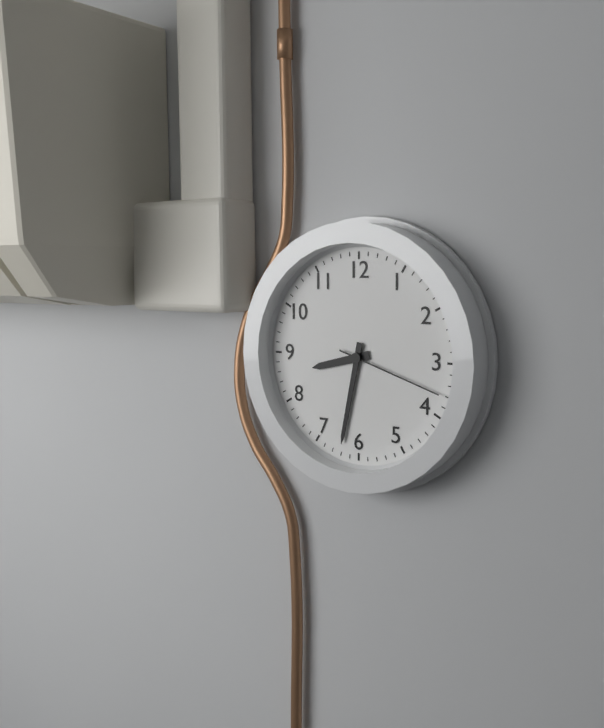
8:32:18
